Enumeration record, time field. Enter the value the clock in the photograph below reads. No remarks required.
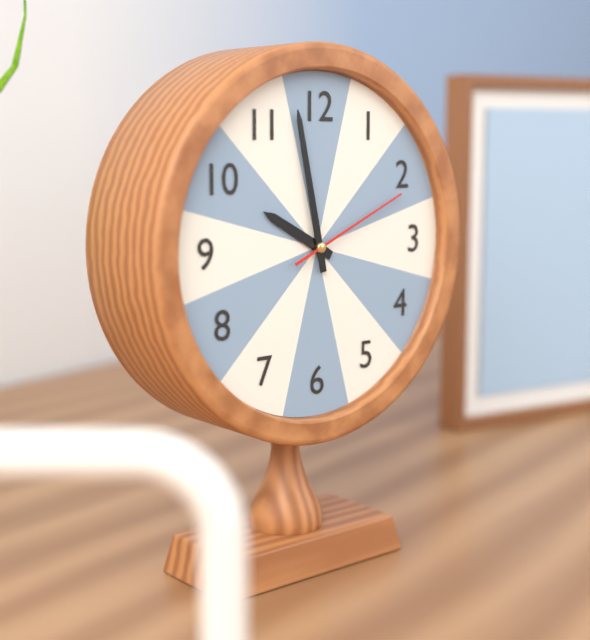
9:58:11
